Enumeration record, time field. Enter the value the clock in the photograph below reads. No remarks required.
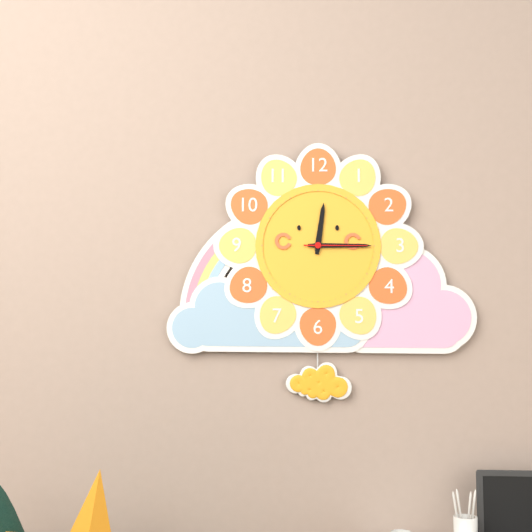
12:15:15
